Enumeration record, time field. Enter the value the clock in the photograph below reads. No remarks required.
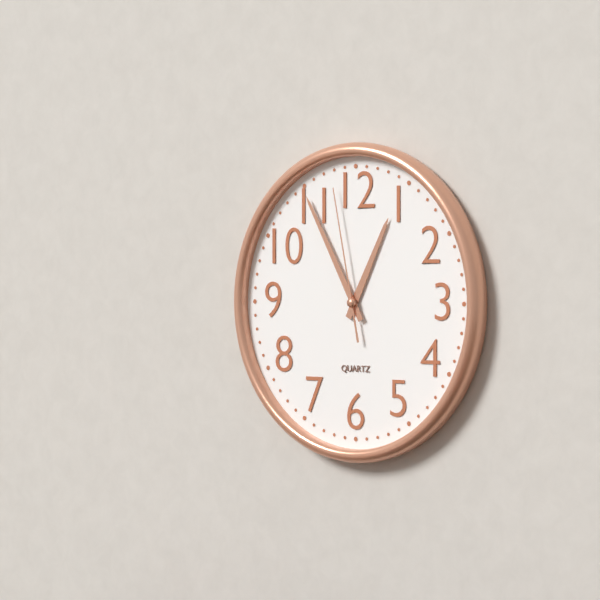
12:55:58
